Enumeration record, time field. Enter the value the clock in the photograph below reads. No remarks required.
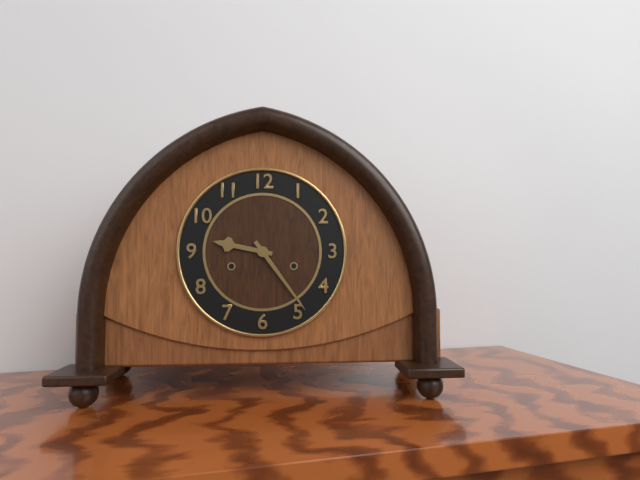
9:24
